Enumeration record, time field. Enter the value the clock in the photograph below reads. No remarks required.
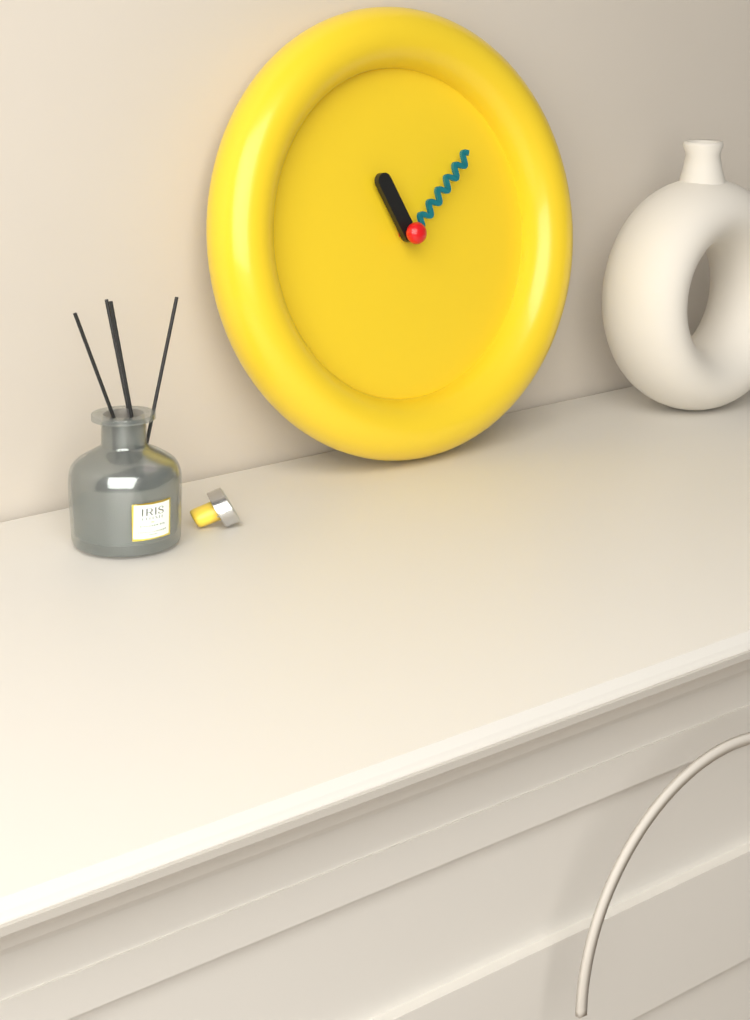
11:08
